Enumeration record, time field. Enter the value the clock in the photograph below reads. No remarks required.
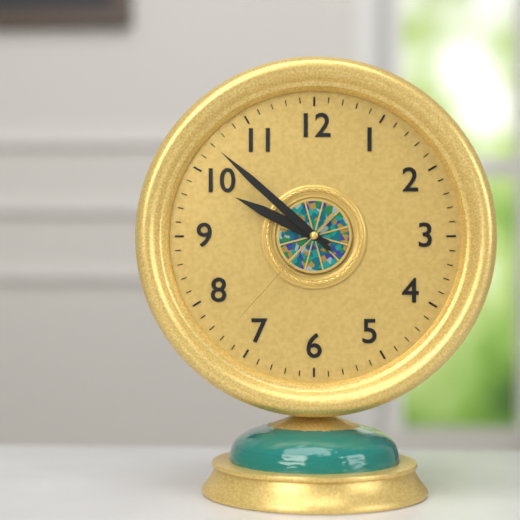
9:52:37
